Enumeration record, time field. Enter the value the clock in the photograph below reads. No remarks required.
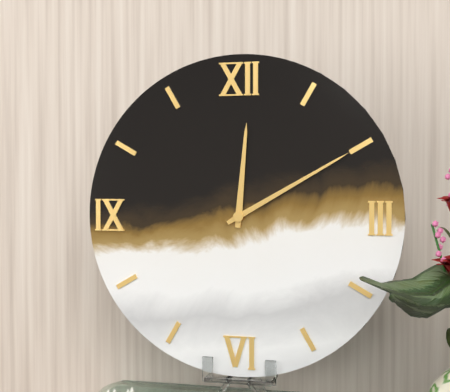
12:10
